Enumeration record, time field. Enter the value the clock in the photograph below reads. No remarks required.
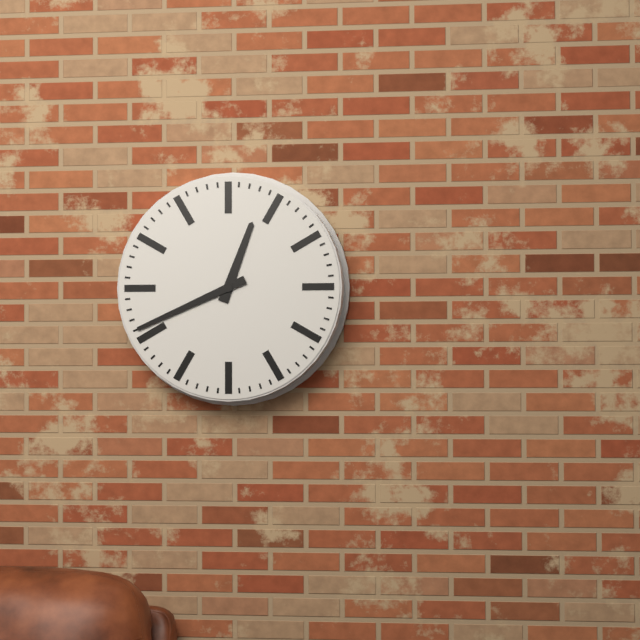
12:41
